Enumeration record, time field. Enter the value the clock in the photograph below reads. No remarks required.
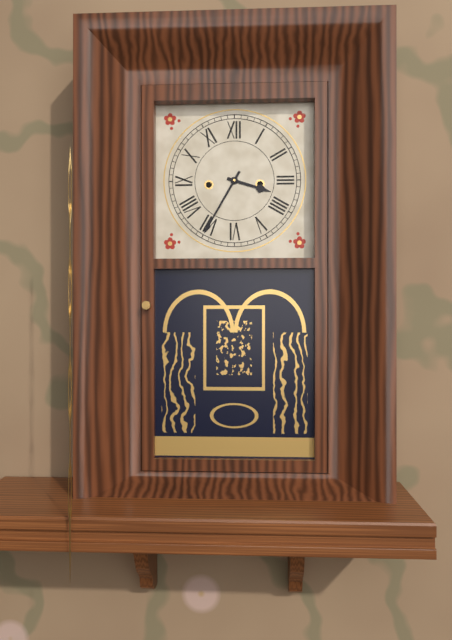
3:35
